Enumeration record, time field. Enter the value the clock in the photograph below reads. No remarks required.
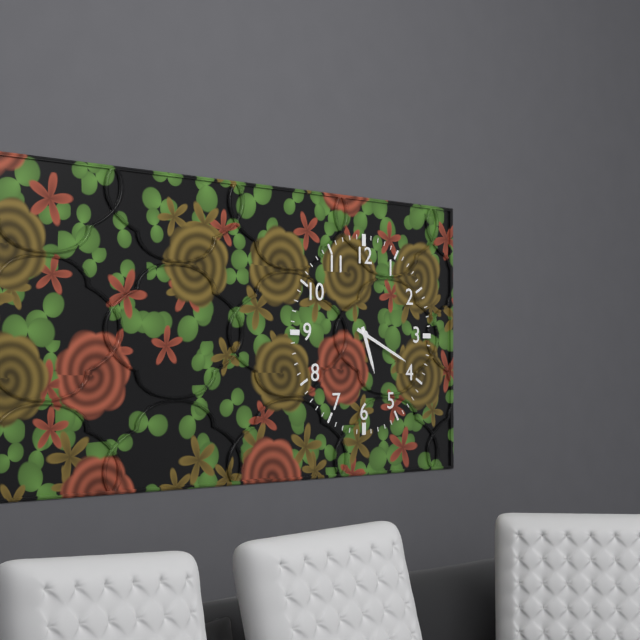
5:19
